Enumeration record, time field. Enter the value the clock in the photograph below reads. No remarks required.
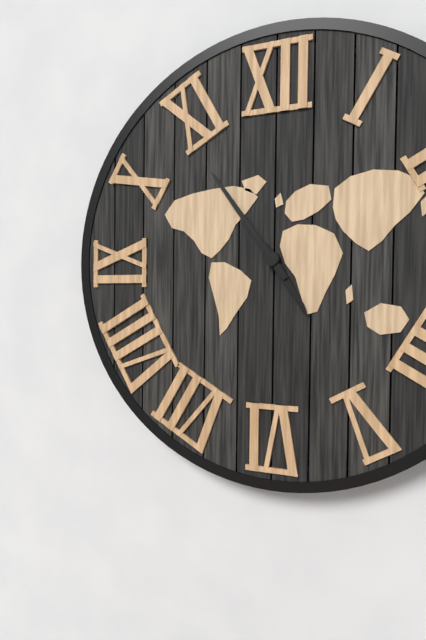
4:54
